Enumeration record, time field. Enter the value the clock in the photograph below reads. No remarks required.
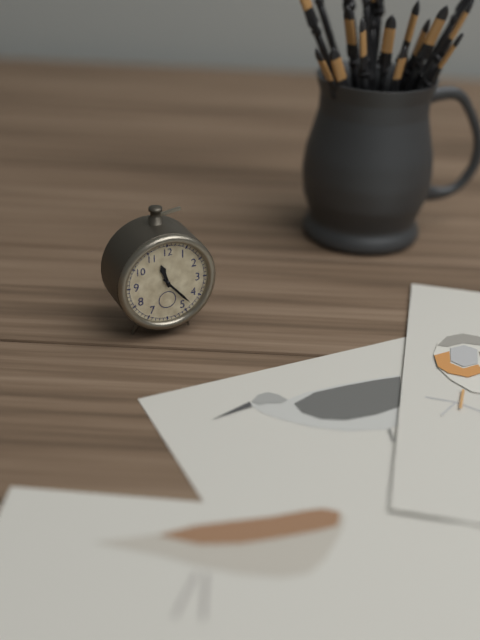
11:23
